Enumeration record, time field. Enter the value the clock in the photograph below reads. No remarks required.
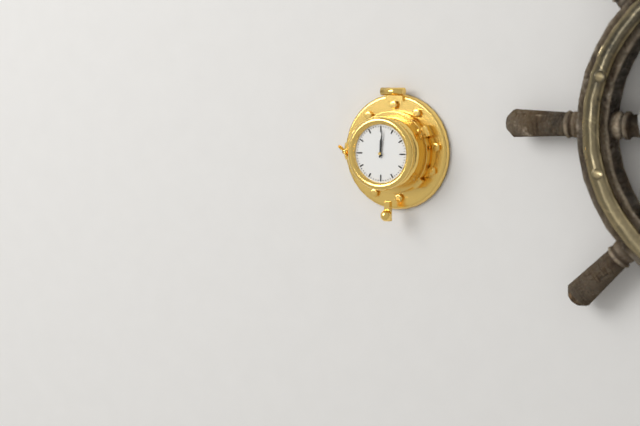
12:01
